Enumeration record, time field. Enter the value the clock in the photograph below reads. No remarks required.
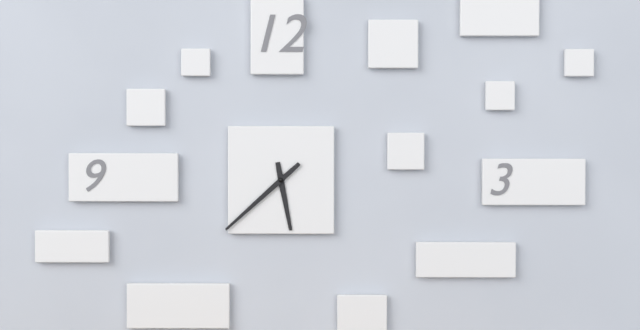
5:38
